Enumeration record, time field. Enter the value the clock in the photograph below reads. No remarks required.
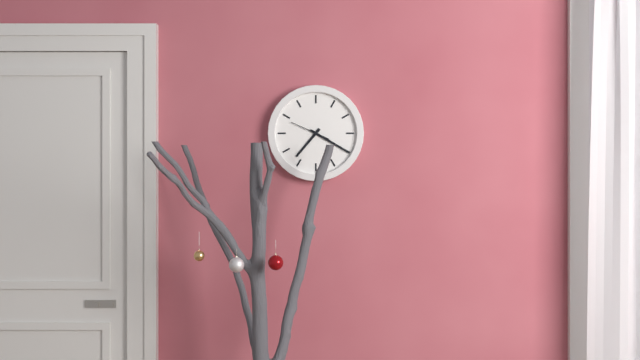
7:20
